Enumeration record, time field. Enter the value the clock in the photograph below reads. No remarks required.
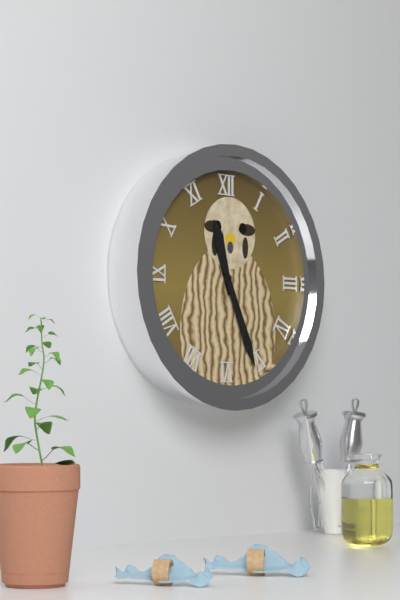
11:26
